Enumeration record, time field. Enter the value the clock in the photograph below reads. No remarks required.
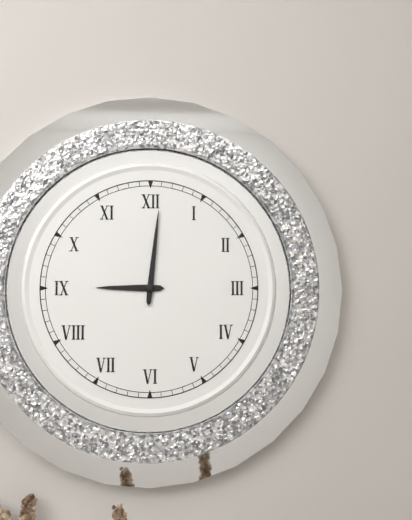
9:01
